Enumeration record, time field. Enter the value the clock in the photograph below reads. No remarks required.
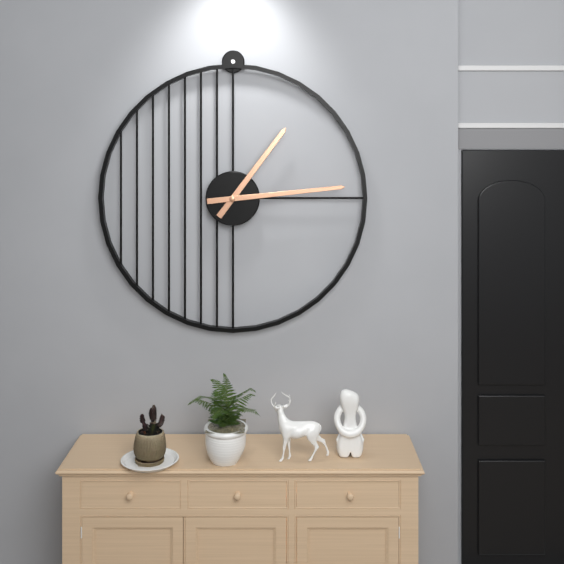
1:14
